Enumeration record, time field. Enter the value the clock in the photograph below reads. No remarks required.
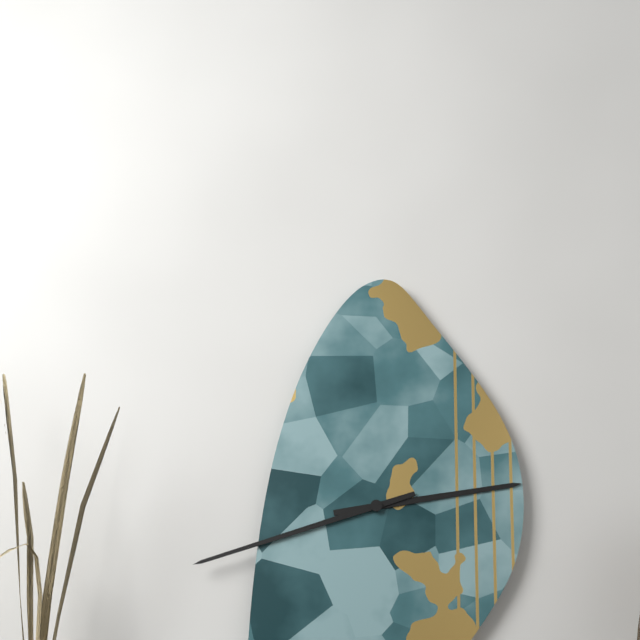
2:42
